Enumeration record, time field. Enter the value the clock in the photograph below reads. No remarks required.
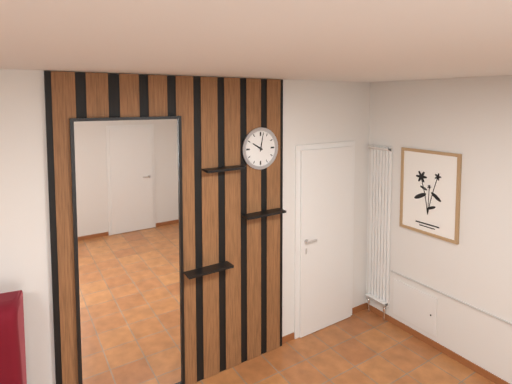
10:02
